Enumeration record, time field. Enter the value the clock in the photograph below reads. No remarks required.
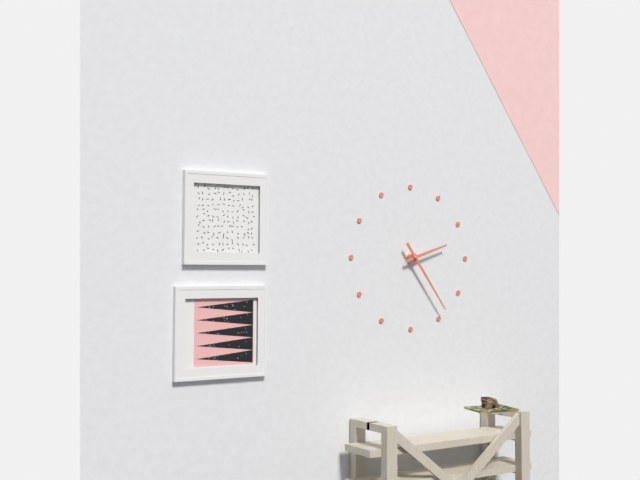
2:24
